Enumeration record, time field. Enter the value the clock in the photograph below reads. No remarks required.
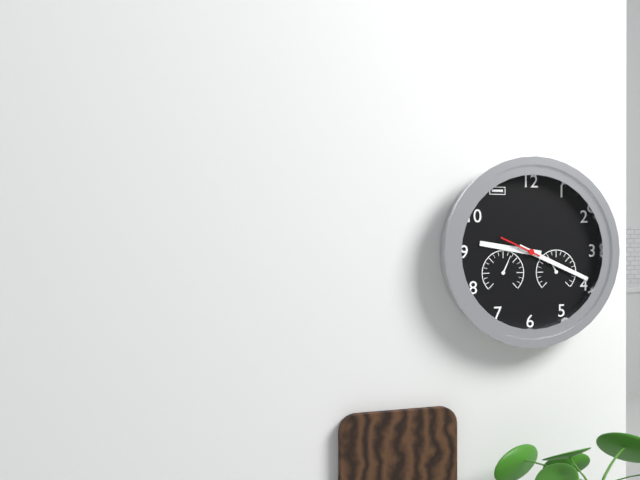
9:19
